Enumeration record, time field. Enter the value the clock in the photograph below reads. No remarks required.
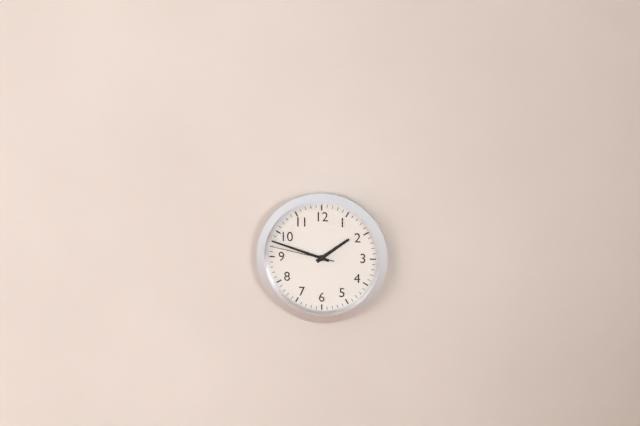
1:48:47
